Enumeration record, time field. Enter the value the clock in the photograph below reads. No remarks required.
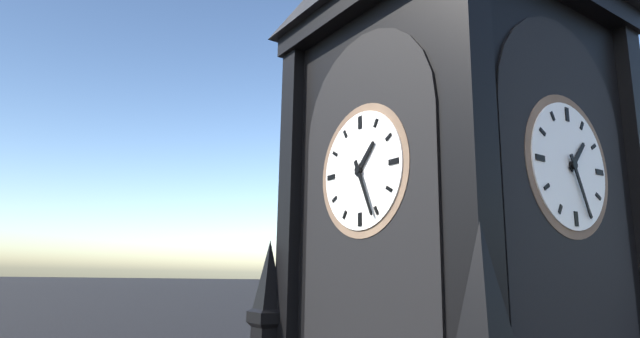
1:26
